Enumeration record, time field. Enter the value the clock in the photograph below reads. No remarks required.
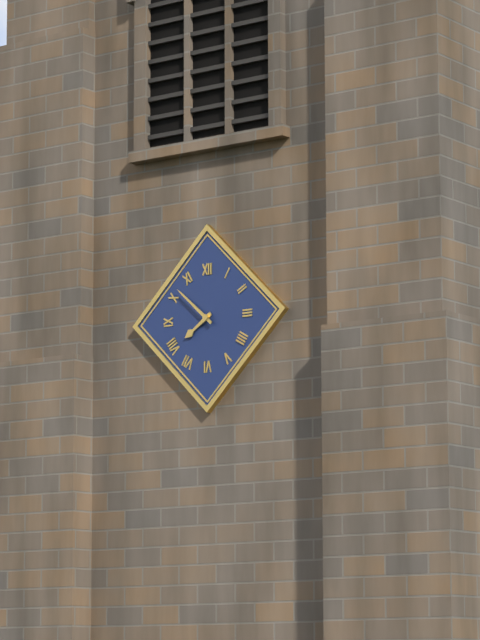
7:52
